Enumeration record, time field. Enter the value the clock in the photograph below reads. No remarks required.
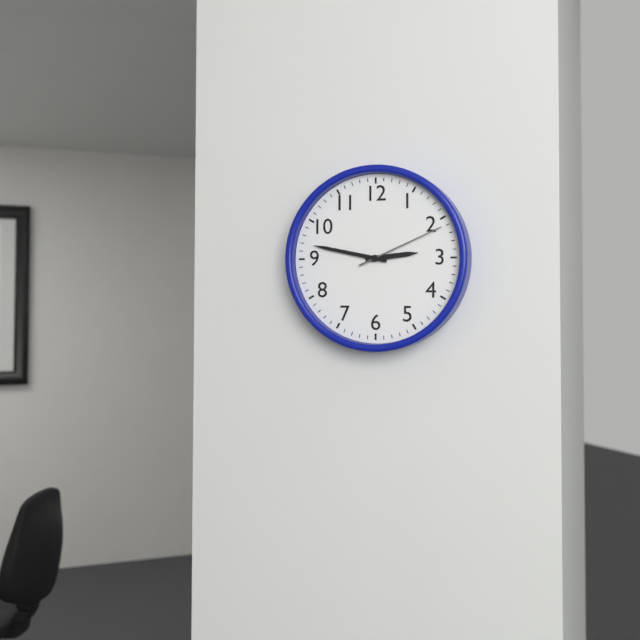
2:47:11
